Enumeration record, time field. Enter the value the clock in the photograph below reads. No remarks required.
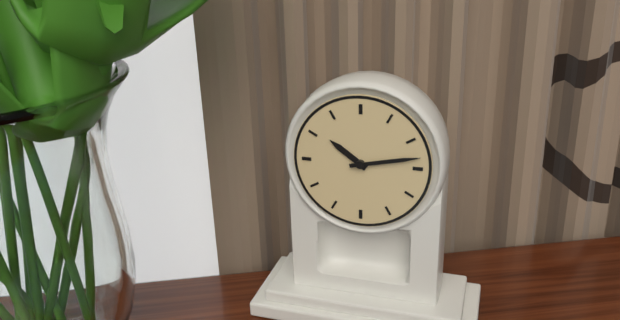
10:13
